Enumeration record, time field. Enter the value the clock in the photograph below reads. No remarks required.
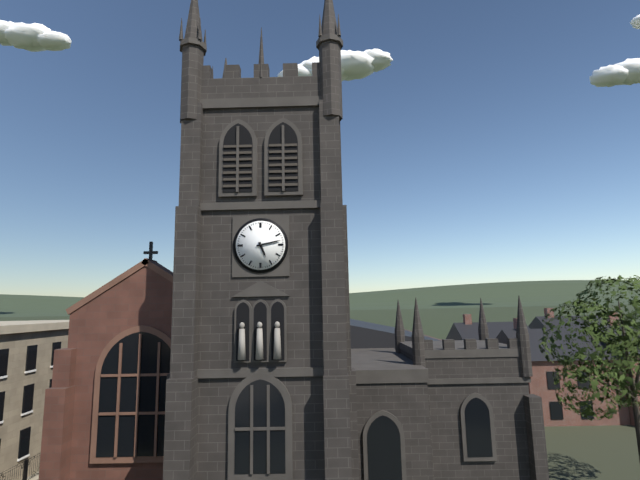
5:13
